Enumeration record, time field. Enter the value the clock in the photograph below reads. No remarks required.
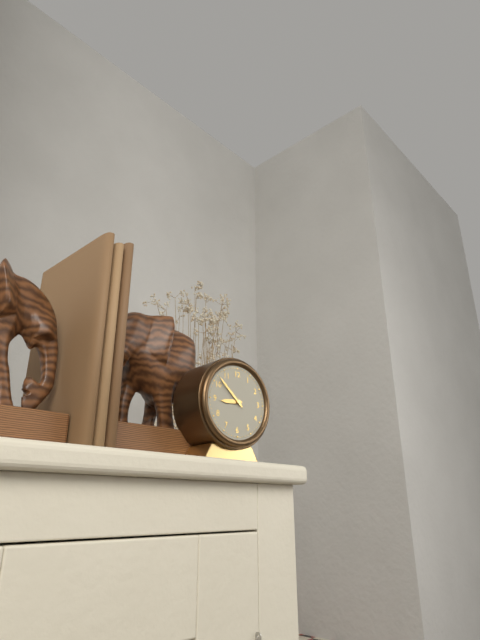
8:52
